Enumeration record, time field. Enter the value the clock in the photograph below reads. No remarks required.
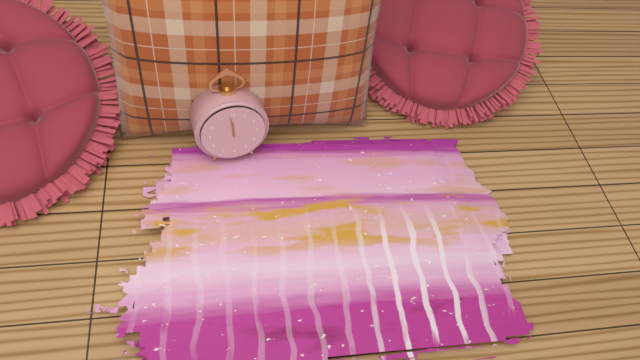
11:59
